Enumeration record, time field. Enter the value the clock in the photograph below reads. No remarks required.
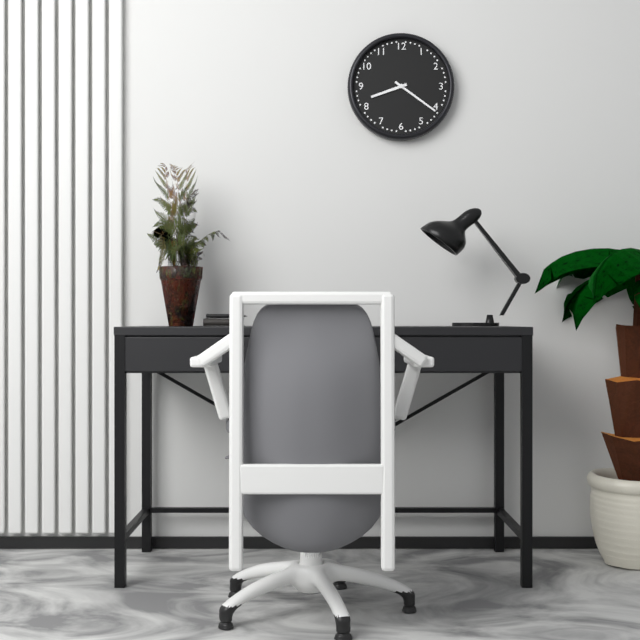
8:21
